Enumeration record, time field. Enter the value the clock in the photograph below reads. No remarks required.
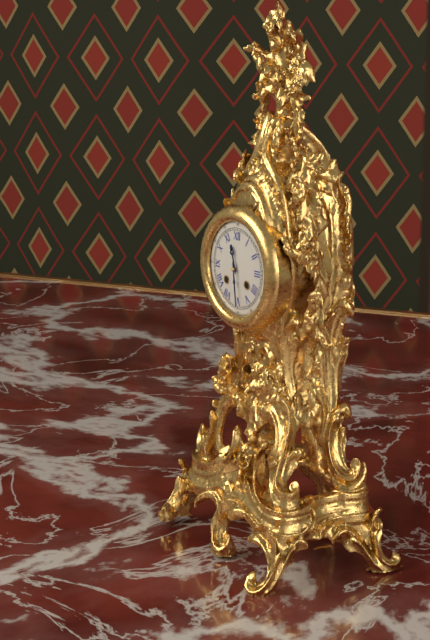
11:29
